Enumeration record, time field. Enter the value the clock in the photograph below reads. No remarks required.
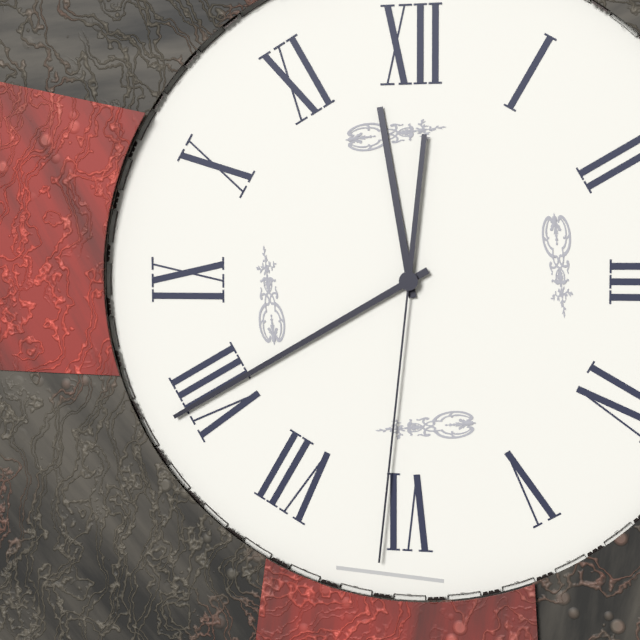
11:40:31
